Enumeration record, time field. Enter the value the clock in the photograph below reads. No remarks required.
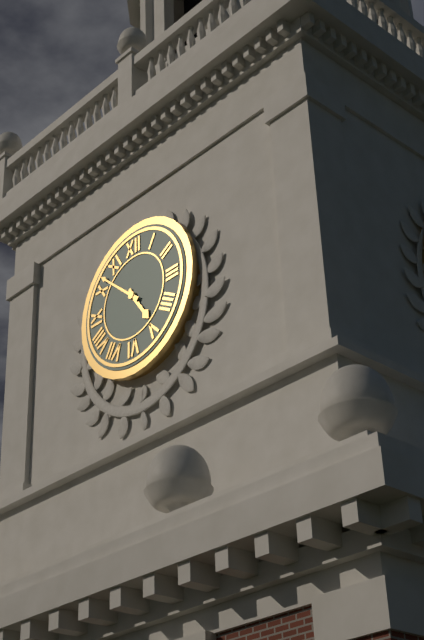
4:52
